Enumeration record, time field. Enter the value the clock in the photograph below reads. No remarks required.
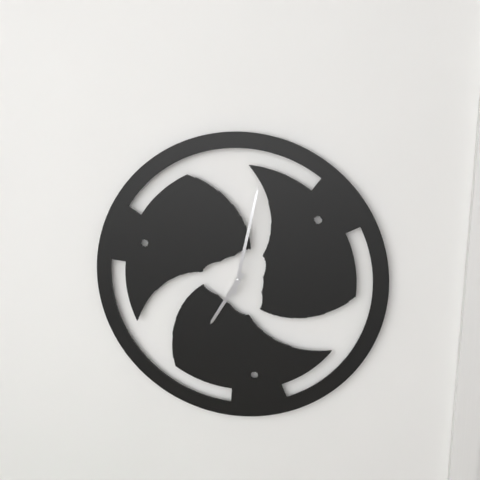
7:02
